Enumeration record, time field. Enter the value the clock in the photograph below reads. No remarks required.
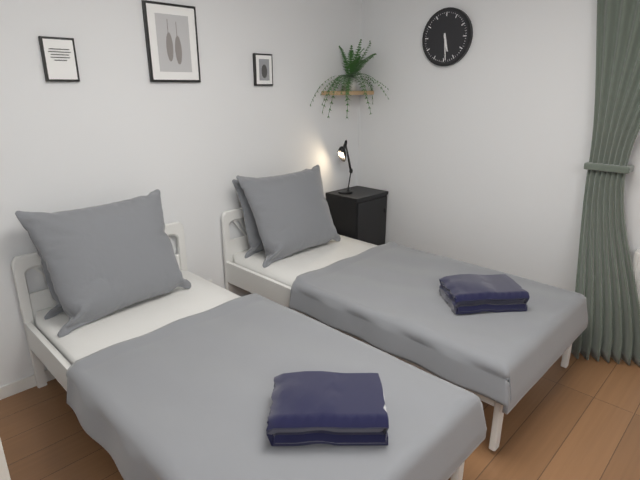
5:29
